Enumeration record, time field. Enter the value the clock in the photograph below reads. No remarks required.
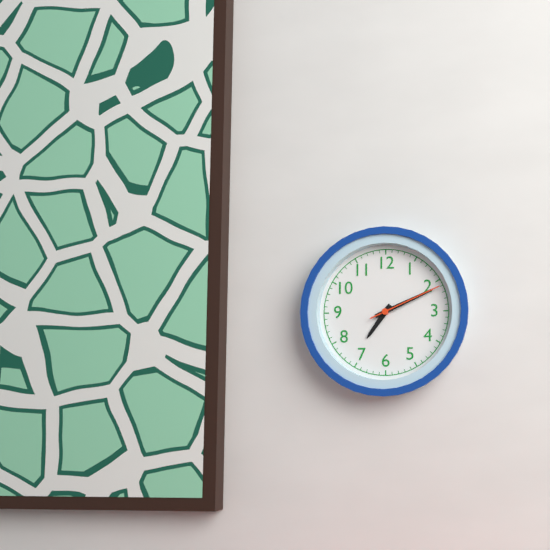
7:11:11
